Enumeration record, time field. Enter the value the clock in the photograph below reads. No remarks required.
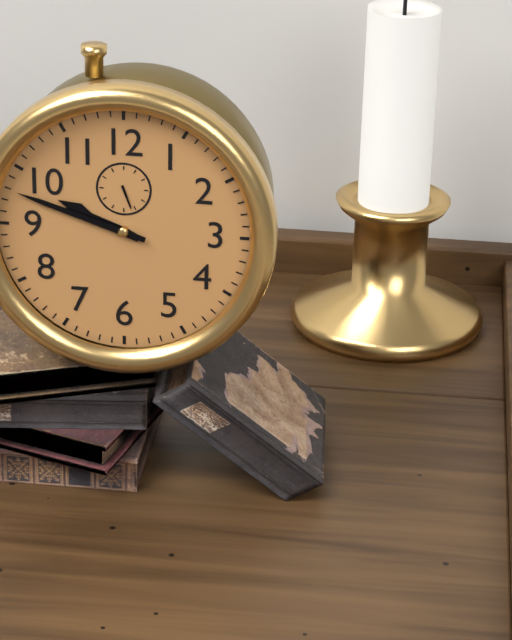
9:48
